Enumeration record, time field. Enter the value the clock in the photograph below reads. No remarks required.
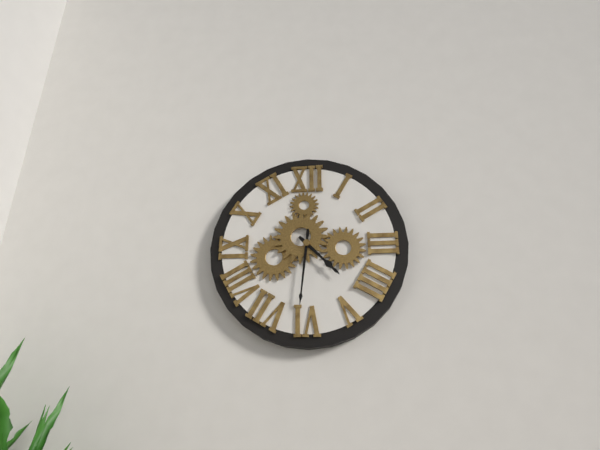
4:31
